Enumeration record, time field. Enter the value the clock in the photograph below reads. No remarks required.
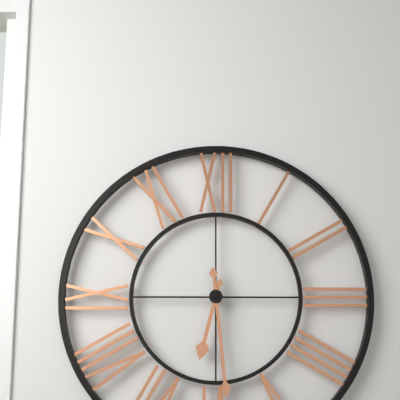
6:29
